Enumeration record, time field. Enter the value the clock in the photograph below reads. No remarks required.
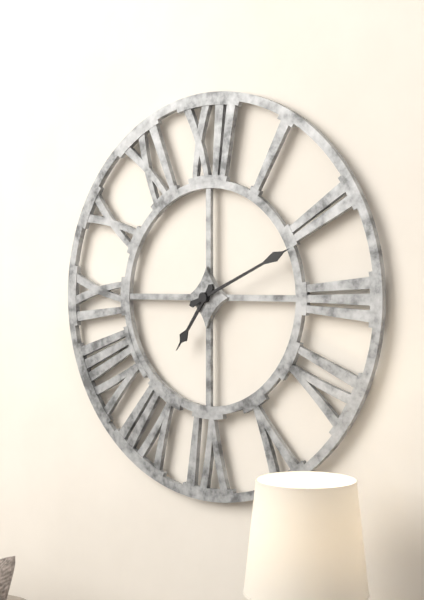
7:11
